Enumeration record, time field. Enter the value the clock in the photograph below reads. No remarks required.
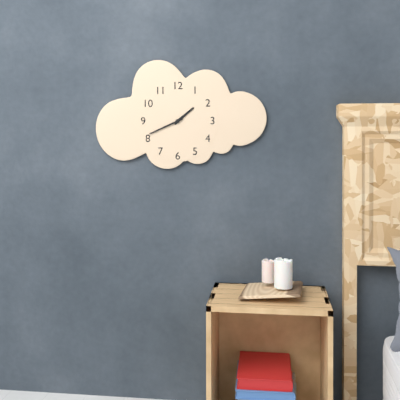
1:41
